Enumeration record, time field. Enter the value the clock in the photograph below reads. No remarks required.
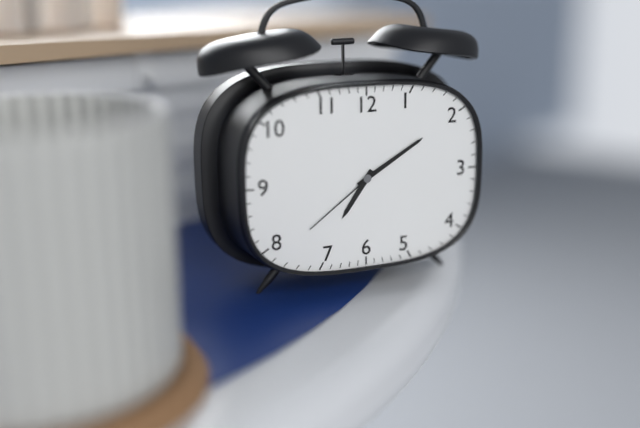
7:10:39
